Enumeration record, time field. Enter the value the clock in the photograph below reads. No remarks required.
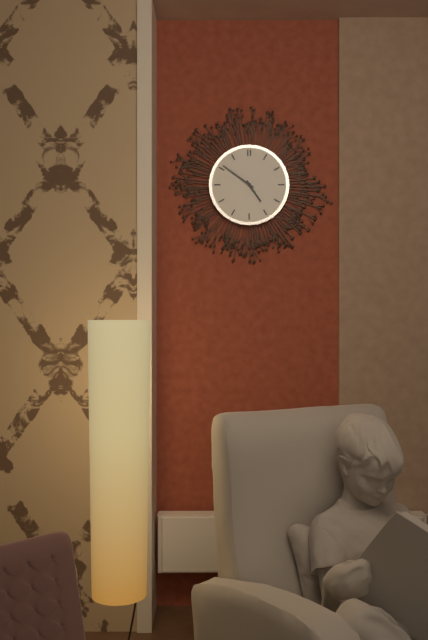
4:51
